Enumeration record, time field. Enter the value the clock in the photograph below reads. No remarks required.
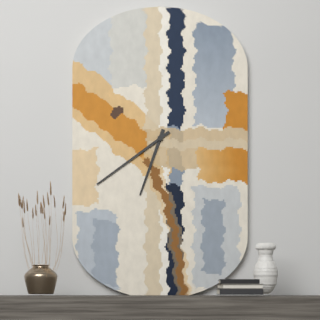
6:39
